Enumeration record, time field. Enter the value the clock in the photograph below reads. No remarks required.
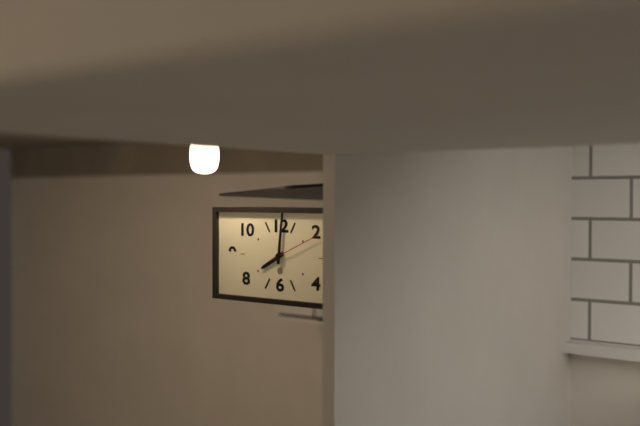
8:01:11
